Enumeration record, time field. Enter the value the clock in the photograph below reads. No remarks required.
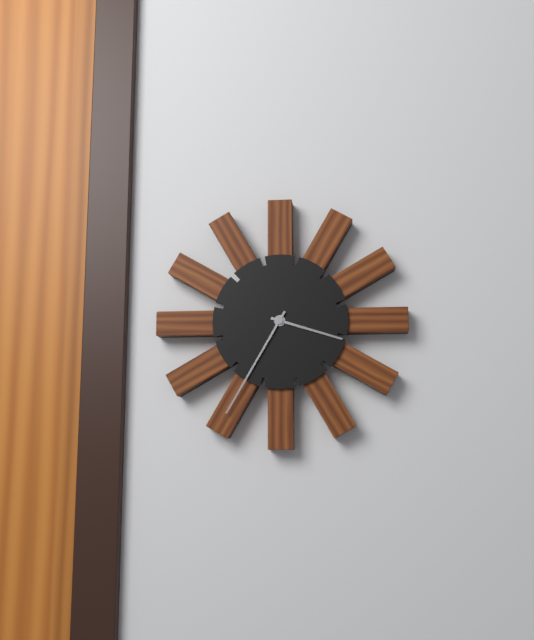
3:35
